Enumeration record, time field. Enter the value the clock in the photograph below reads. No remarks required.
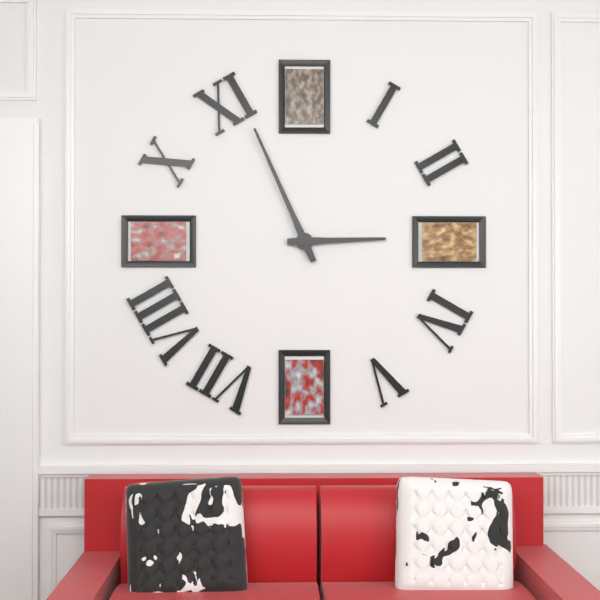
2:56
